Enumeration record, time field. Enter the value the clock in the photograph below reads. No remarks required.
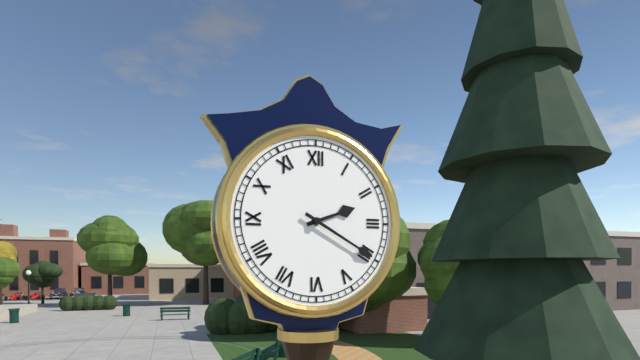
2:20
